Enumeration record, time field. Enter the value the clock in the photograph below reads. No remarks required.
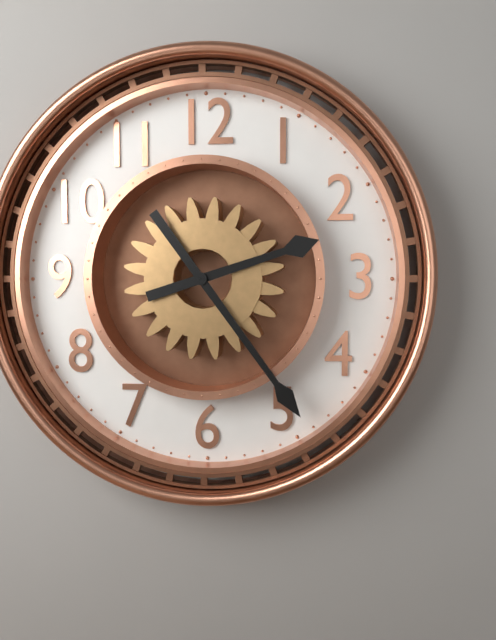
2:24
